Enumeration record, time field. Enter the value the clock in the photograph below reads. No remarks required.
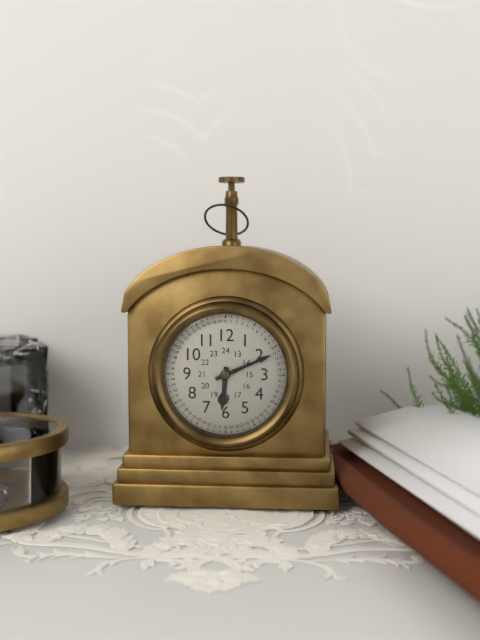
6:11
